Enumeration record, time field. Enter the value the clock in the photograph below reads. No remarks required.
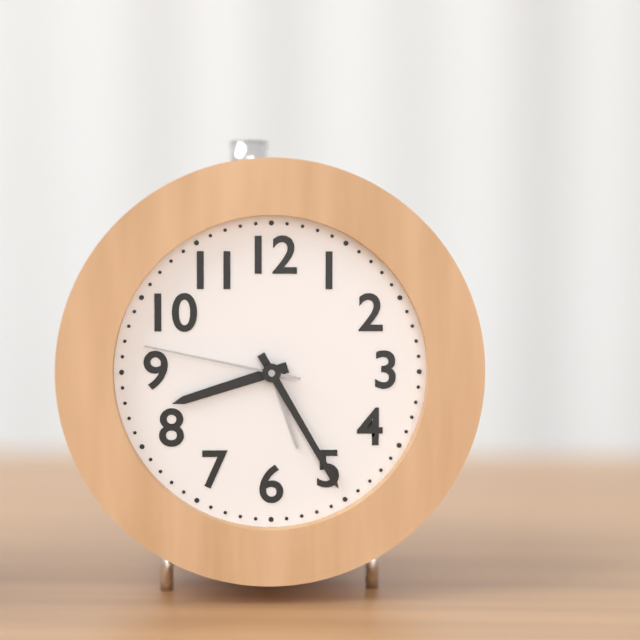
8:25:47
